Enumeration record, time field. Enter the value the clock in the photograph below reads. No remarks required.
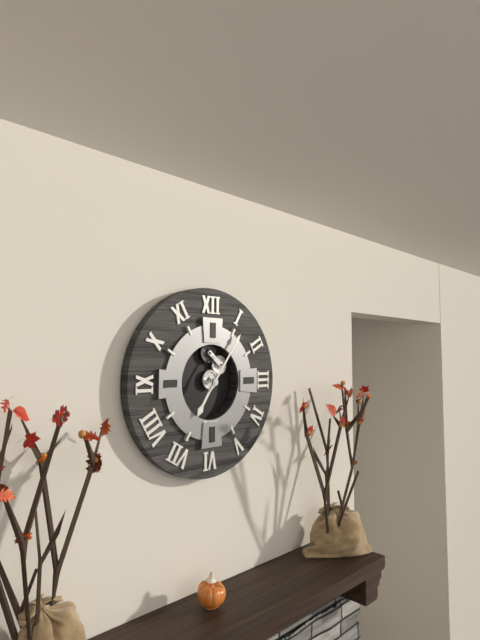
7:06
